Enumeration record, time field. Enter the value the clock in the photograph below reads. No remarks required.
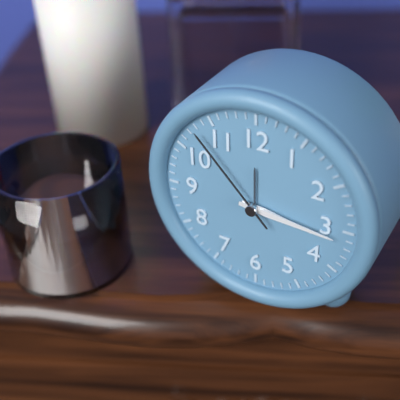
3:16:53
